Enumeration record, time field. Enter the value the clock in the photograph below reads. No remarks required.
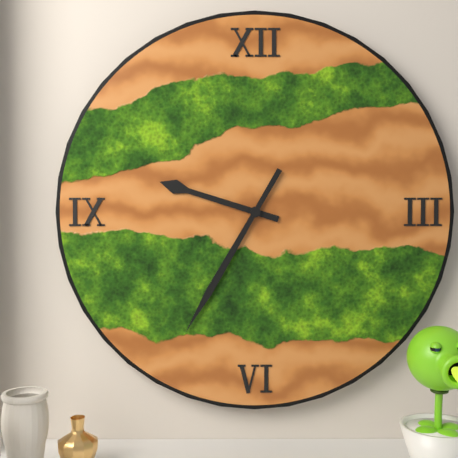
9:35
